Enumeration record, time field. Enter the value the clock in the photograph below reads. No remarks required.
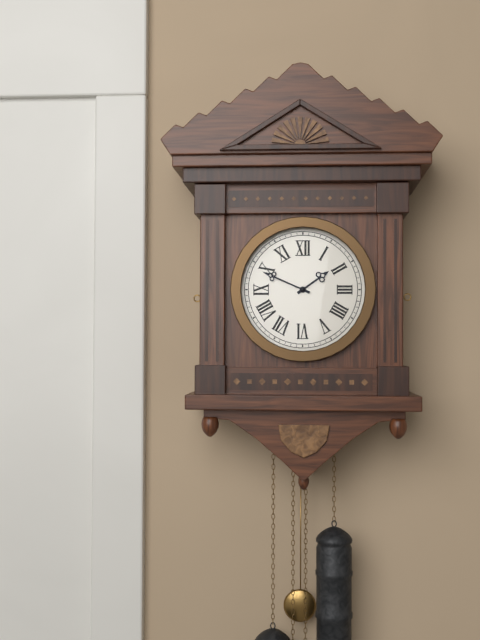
1:49
